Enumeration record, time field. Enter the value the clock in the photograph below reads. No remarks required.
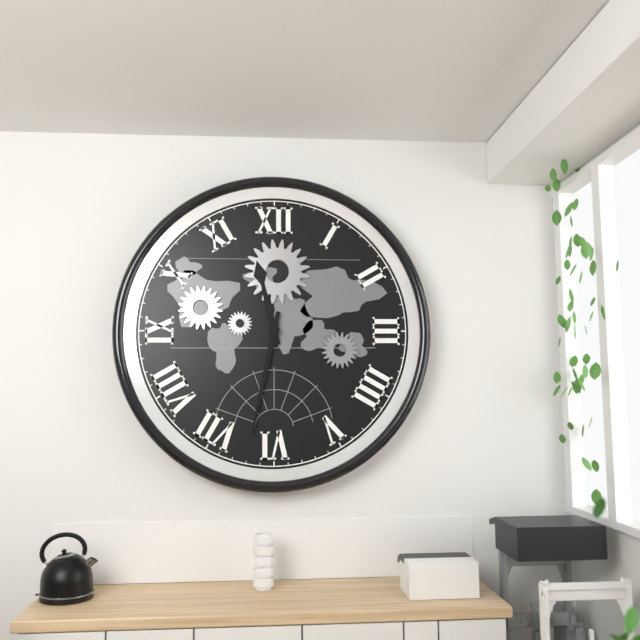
11:32
